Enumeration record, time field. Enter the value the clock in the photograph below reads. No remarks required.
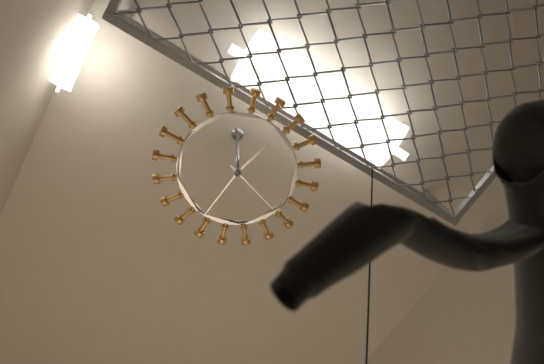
12:31:18
